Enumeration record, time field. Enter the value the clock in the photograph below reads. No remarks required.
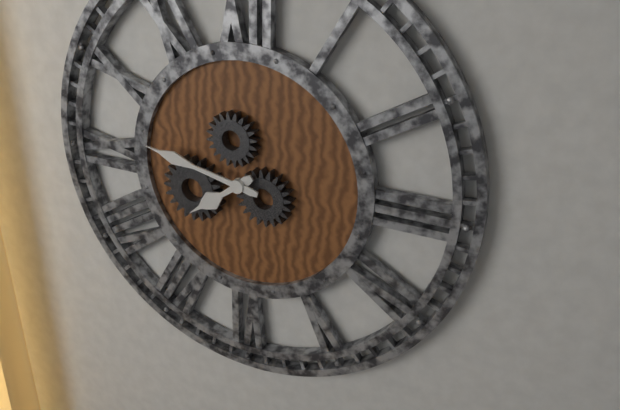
7:47
